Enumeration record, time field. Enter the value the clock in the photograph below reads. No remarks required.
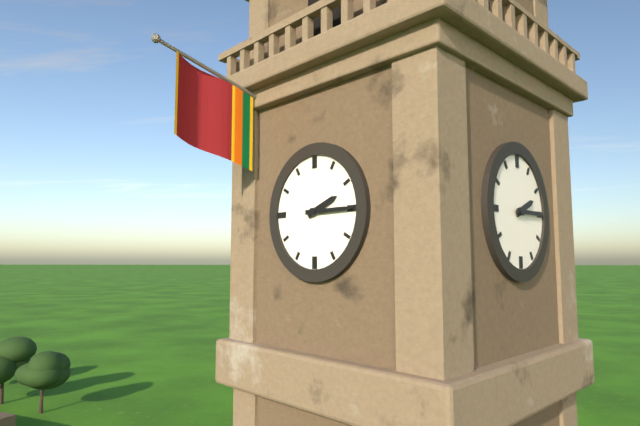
2:15
